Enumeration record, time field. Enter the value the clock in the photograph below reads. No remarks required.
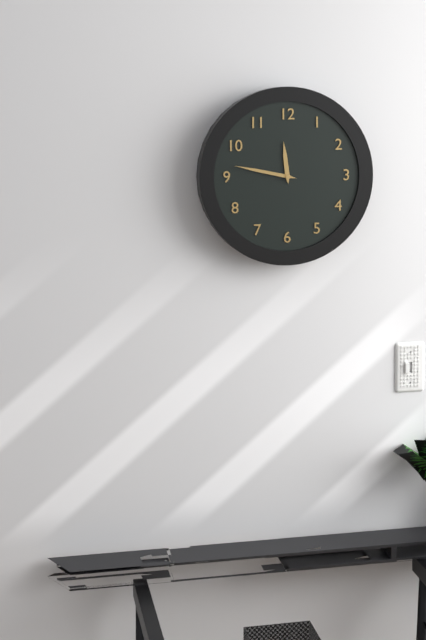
11:47
